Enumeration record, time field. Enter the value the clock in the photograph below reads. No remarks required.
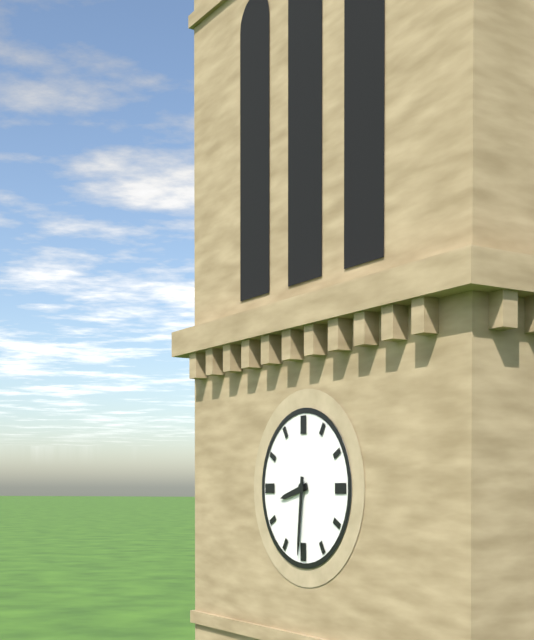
8:31
